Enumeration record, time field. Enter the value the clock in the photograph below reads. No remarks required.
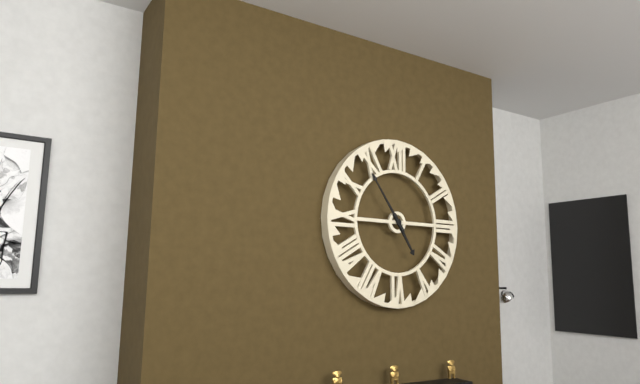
4:54
